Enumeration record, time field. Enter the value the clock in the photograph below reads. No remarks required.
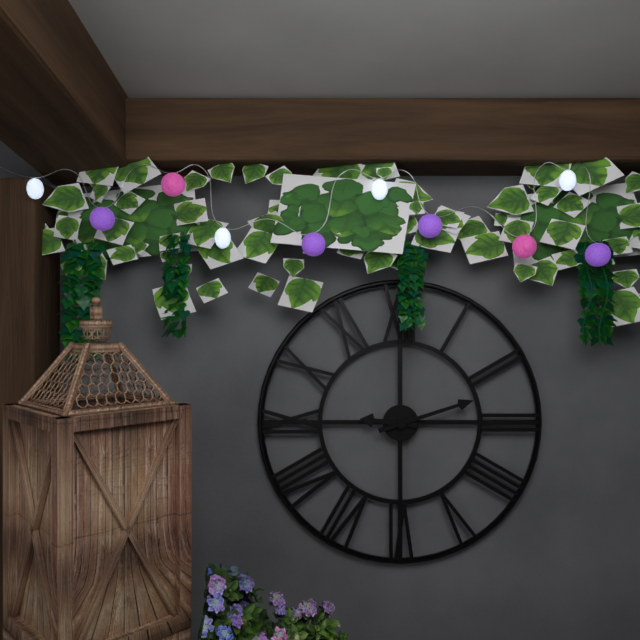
9:12
